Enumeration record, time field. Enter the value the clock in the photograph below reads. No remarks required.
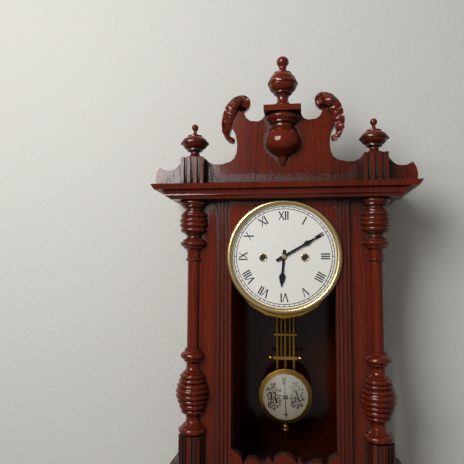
6:10
